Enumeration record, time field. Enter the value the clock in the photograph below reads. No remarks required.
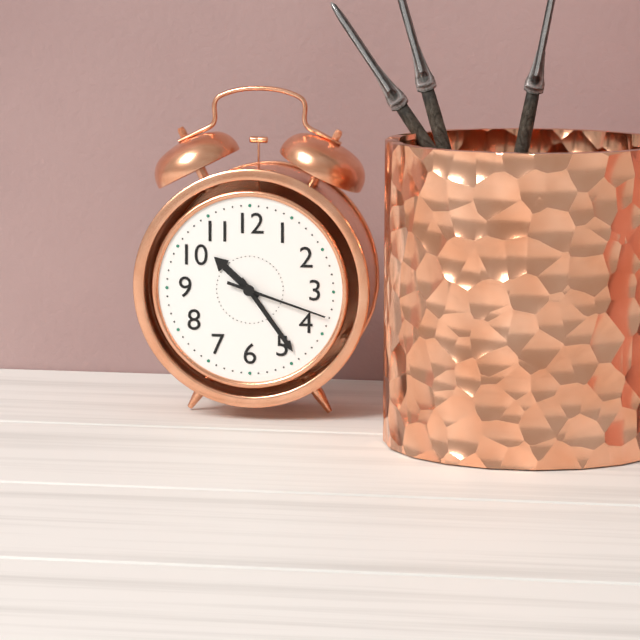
10:24:18
